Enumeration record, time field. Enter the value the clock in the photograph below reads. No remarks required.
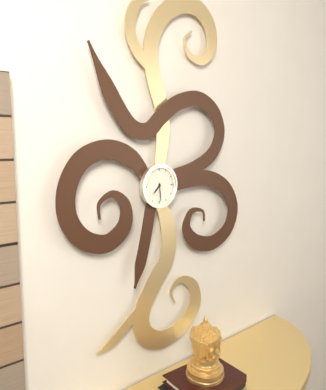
7:29
